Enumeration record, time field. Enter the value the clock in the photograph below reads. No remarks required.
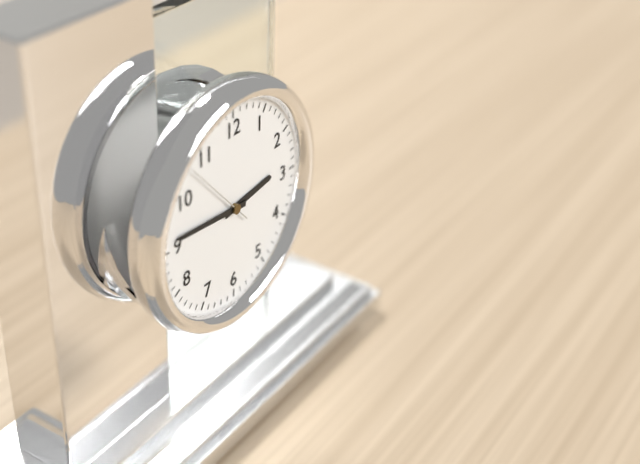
2:46:53
